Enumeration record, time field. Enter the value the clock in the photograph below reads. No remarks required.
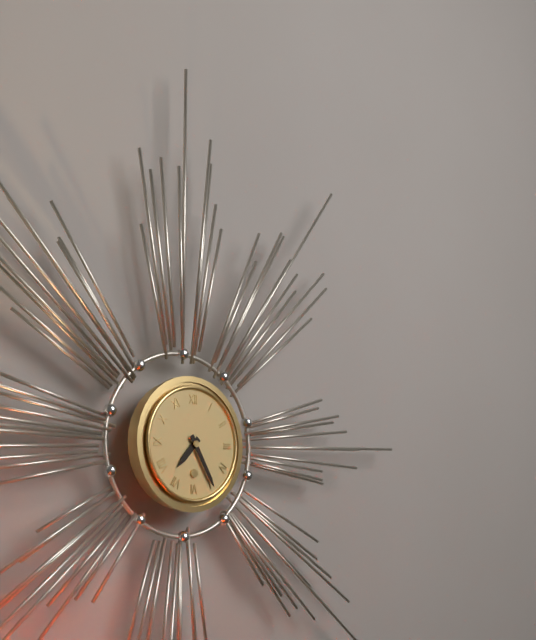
7:25
